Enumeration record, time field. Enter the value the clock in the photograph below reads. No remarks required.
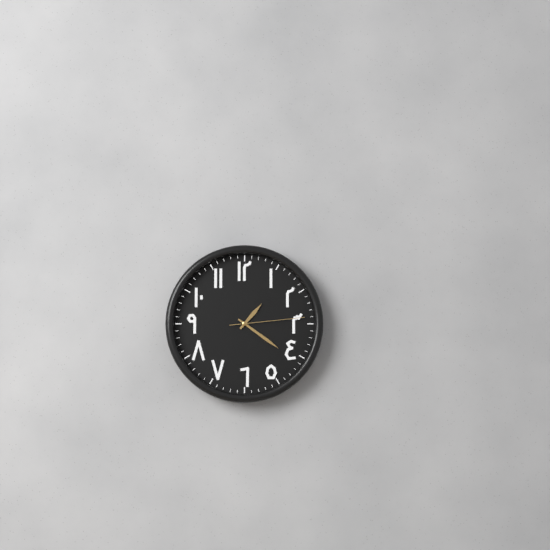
1:21:14
